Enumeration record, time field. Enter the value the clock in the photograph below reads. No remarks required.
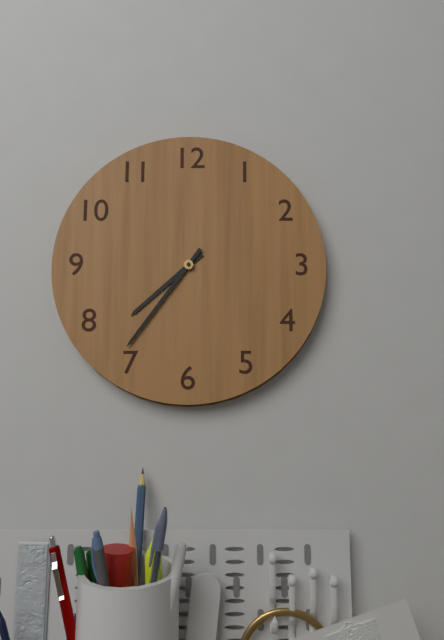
7:36
